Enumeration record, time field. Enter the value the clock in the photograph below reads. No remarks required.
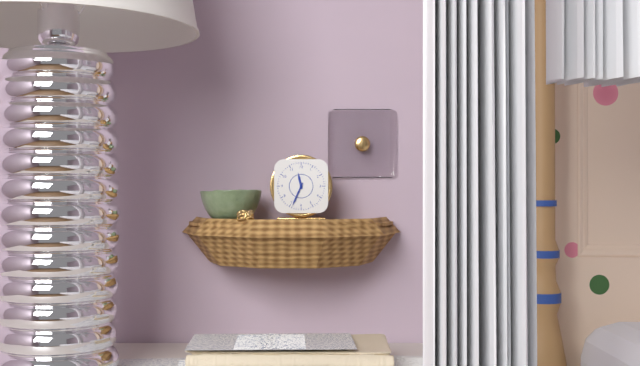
11:34
